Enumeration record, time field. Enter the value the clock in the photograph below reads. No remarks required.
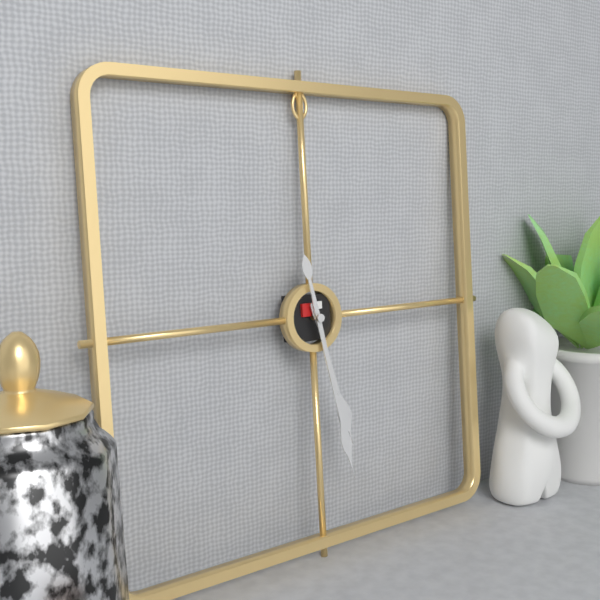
5:28
